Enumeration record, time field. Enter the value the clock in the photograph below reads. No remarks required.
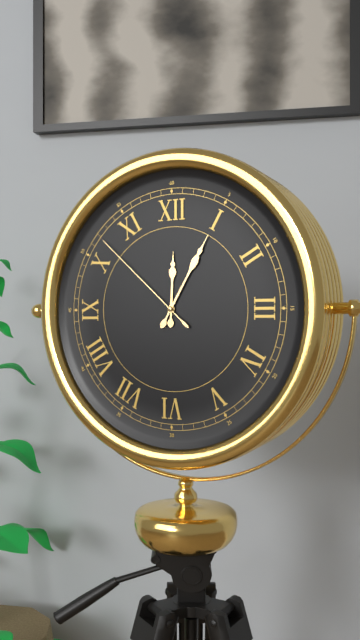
12:05:52
